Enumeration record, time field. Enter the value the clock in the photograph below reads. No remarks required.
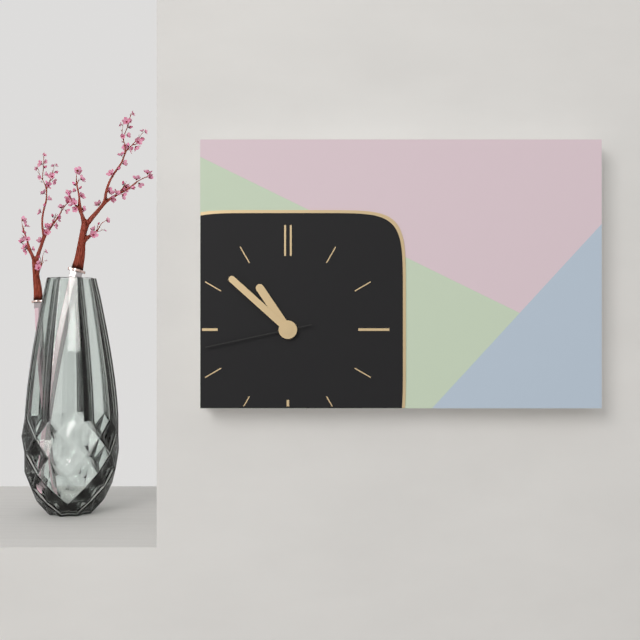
10:52:43
